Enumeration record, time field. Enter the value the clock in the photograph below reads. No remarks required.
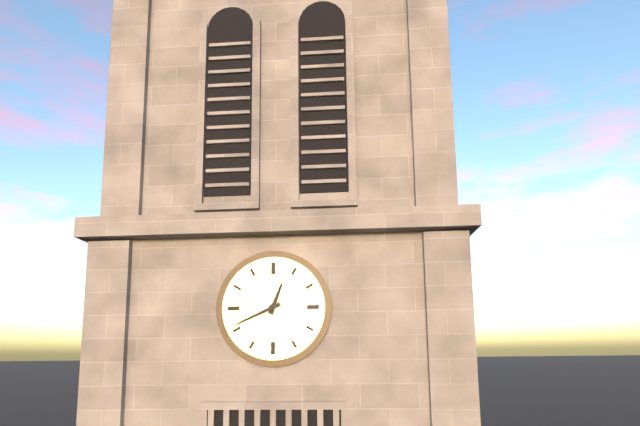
12:41
